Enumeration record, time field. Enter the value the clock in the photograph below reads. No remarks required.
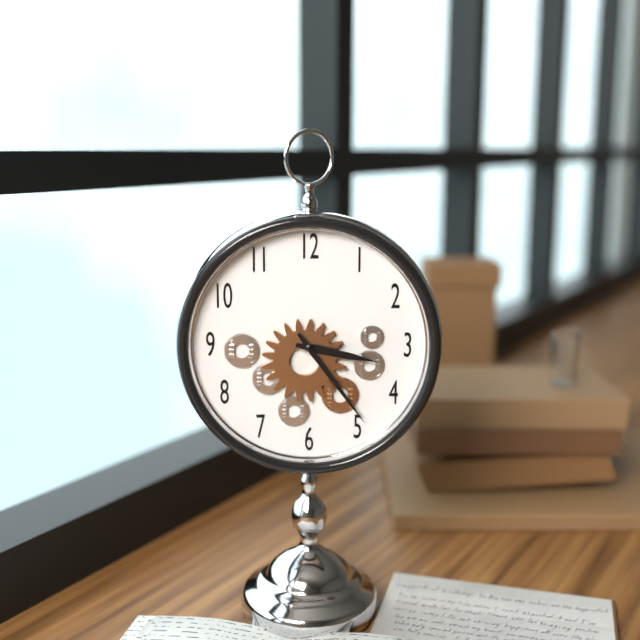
3:24
